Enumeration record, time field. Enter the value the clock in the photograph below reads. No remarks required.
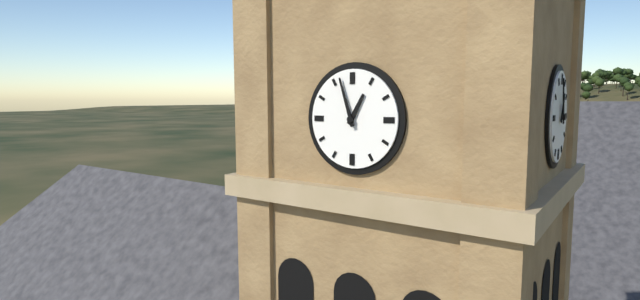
12:57
